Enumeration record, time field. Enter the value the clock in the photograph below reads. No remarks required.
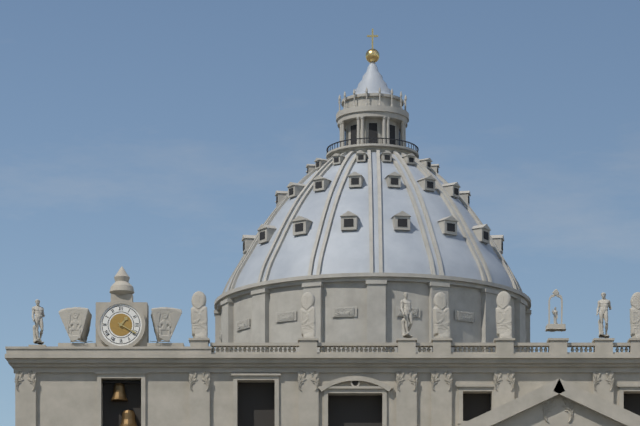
1:20
